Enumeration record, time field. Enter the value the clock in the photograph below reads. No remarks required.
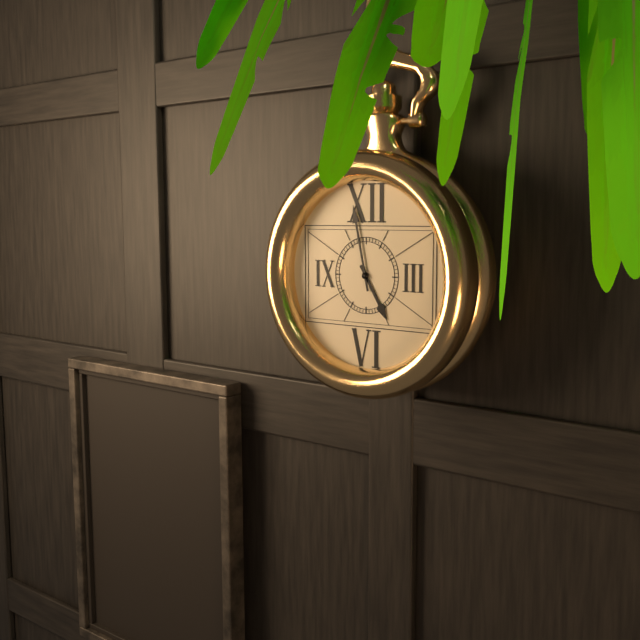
4:58
